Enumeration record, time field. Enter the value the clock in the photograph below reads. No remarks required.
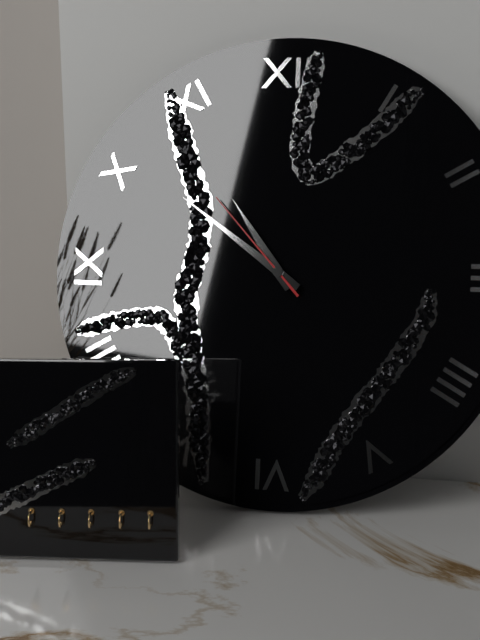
10:51:53
